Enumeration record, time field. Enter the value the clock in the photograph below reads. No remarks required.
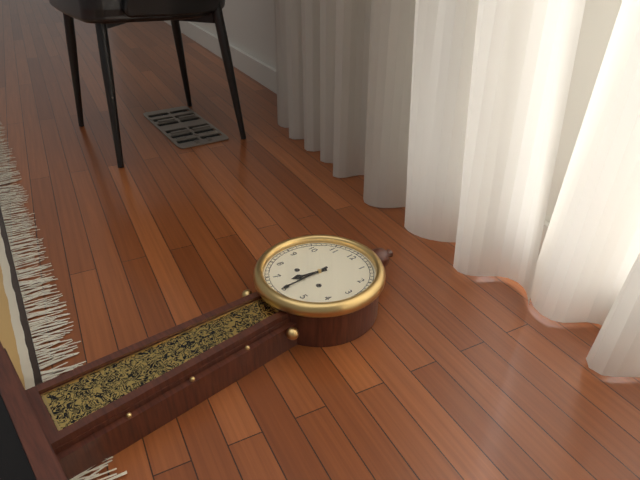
6:30
